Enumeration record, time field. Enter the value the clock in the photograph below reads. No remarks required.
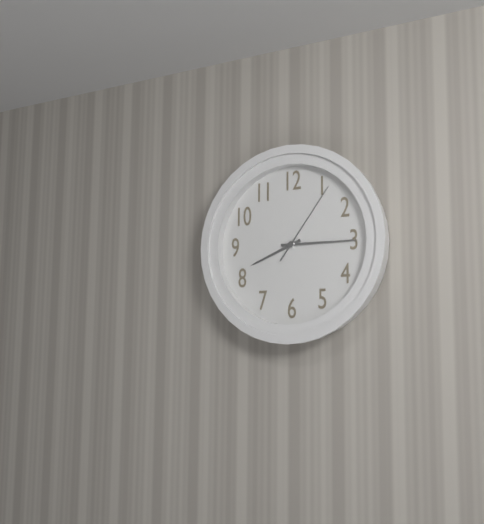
8:15:06
